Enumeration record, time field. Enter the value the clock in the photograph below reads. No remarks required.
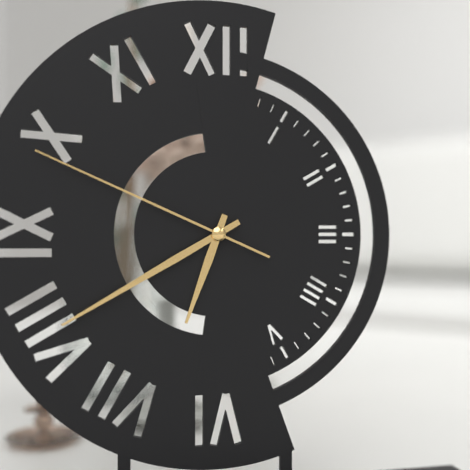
6:40:49
